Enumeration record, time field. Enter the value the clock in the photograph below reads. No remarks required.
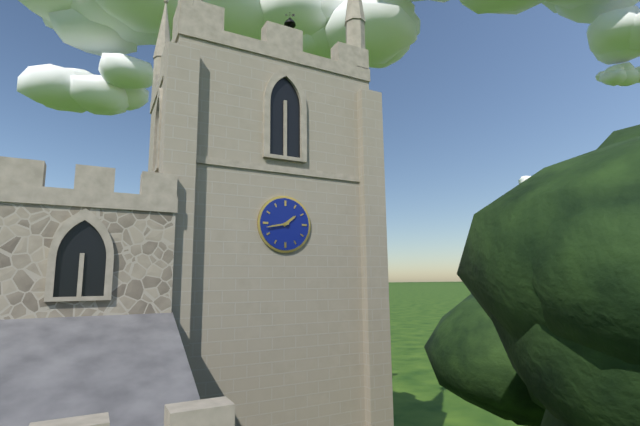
1:43
